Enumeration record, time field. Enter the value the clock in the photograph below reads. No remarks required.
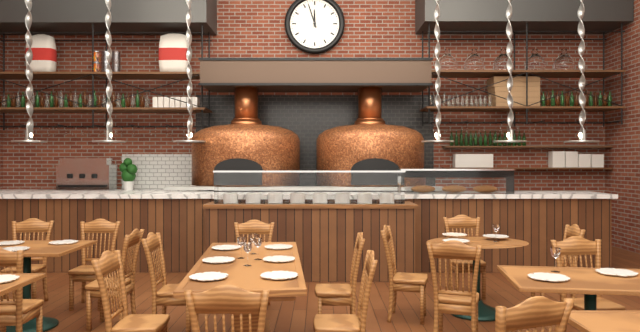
11:57
